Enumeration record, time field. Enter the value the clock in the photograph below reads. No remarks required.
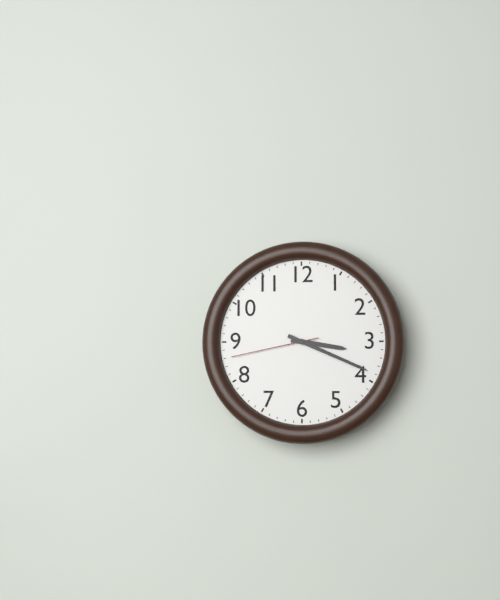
3:19:43
